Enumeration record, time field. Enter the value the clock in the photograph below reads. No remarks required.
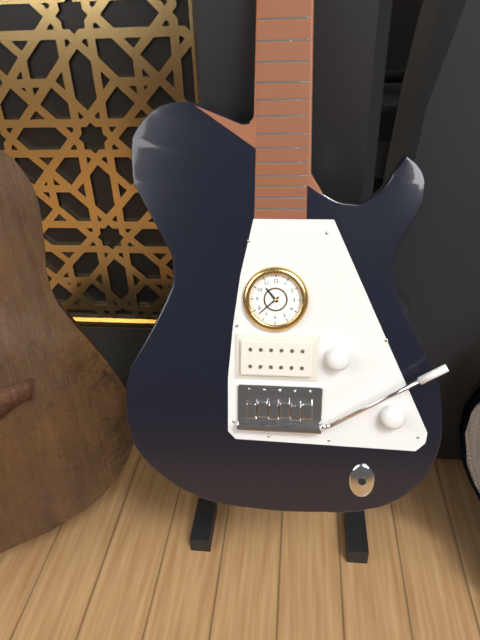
10:38
